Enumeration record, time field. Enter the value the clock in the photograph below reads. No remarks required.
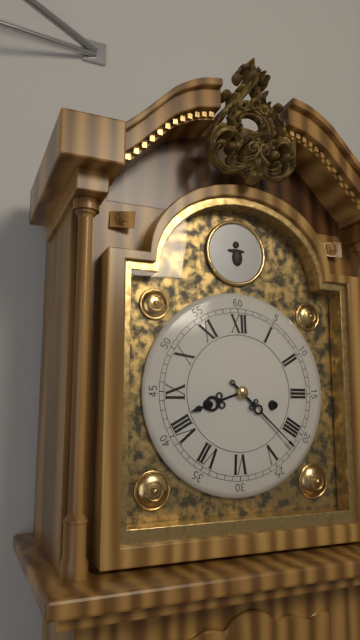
8:22
